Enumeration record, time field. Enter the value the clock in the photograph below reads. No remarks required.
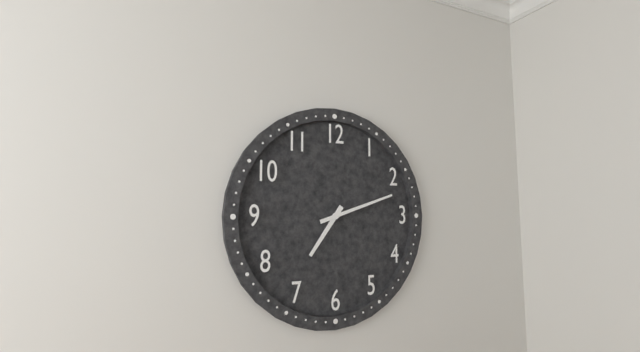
7:12
